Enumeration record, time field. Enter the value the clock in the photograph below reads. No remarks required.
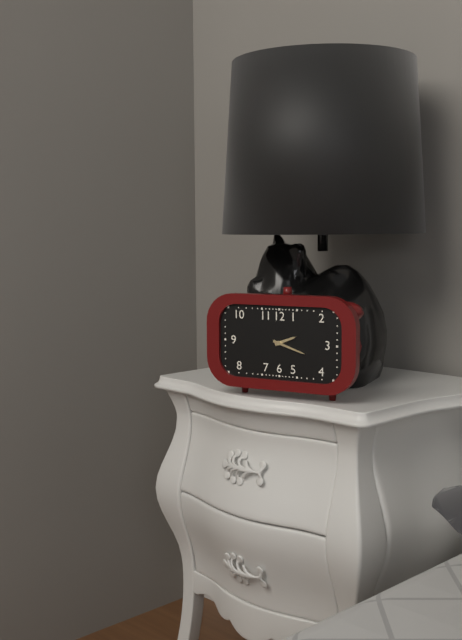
2:18
